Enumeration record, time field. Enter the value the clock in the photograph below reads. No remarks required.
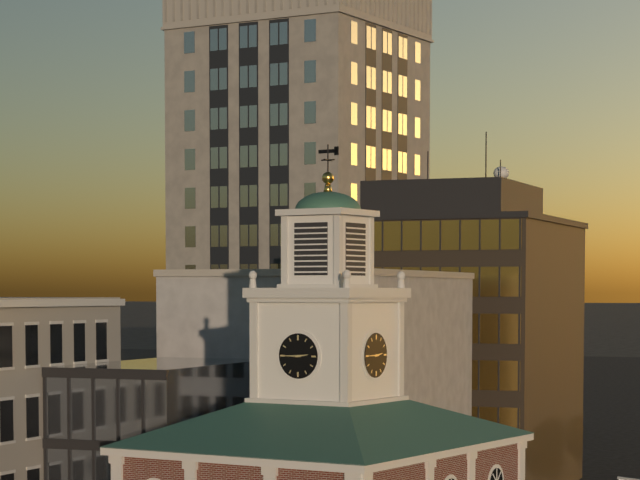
2:45
